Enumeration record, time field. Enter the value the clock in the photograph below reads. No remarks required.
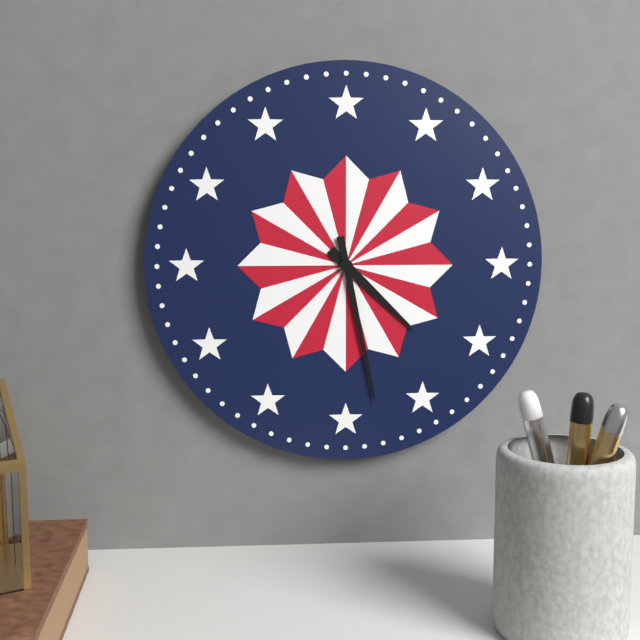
4:28
